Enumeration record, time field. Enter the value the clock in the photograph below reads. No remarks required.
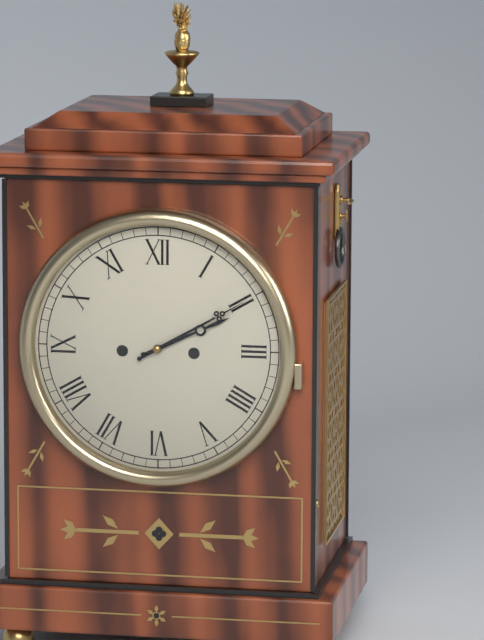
2:10
